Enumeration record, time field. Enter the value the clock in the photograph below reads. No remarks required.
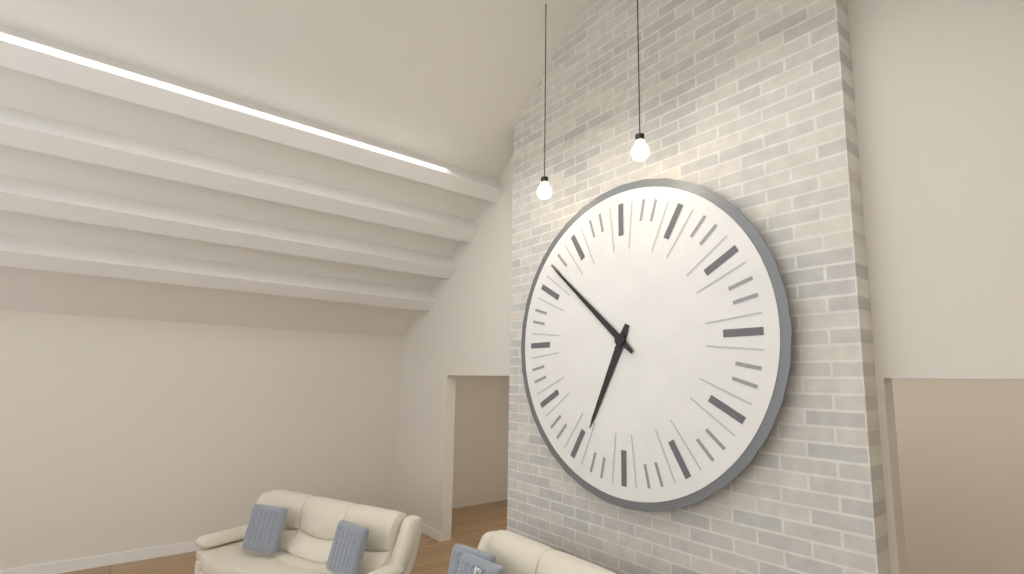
6:52
